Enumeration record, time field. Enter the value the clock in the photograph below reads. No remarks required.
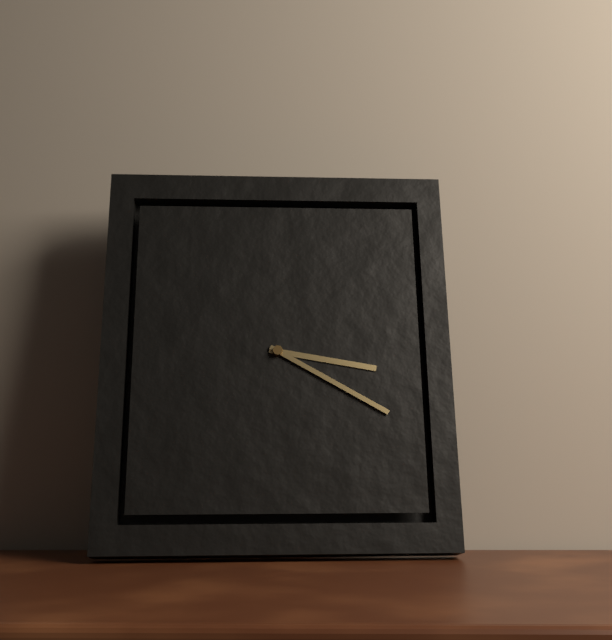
3:20
